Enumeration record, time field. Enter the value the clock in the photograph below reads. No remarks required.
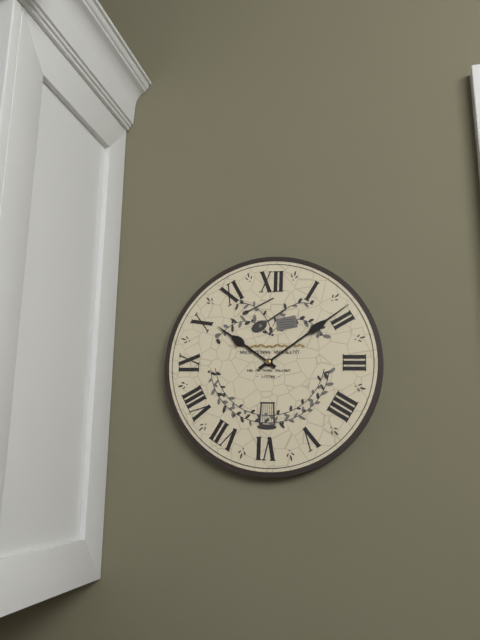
10:09
